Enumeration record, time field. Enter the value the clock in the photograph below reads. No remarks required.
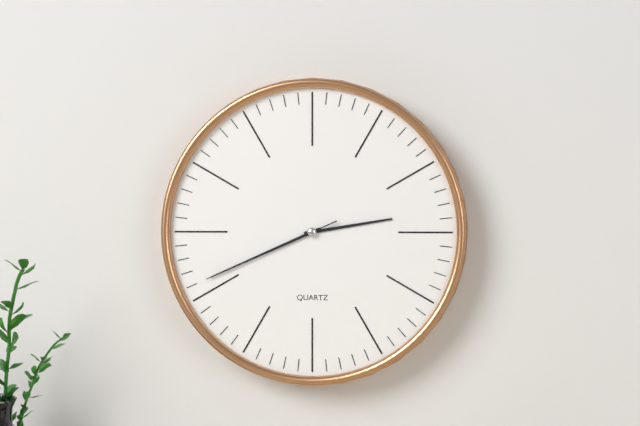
2:41:41
